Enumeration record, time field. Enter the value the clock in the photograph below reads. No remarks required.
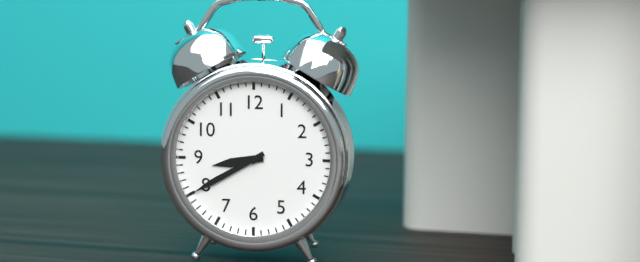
8:40
